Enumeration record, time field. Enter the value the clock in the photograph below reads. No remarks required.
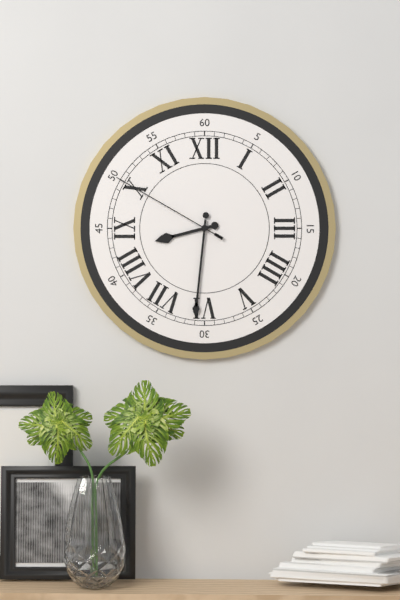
8:31:50
